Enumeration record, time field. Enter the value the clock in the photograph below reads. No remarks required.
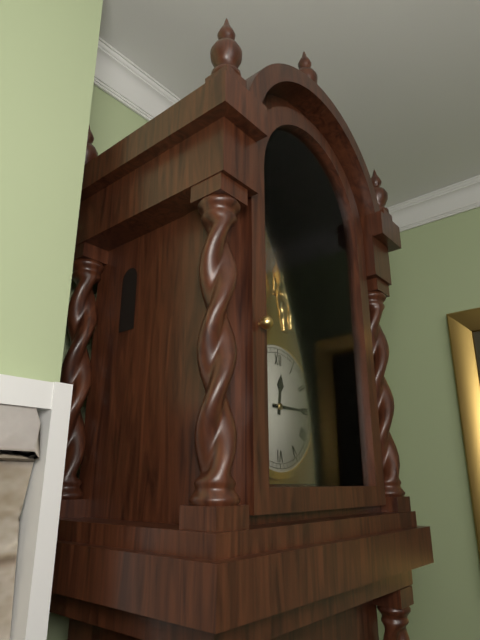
12:15
